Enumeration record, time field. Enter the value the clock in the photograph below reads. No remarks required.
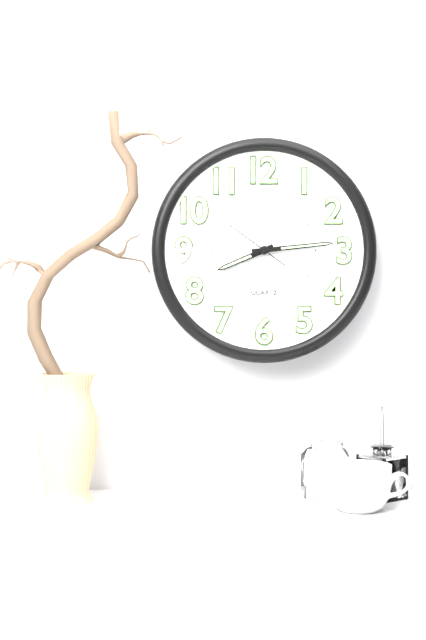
8:14:51
